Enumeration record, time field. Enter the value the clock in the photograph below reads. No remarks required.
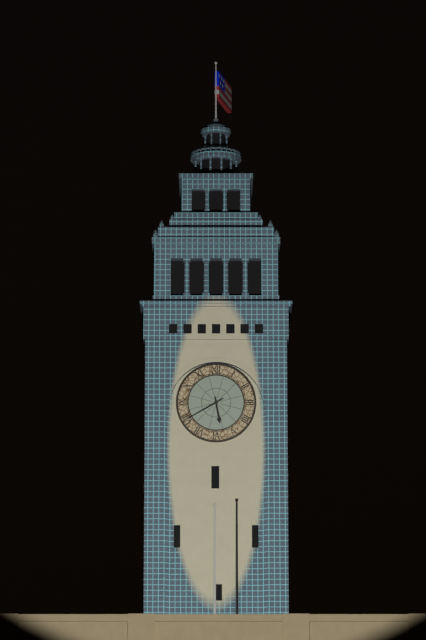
5:40
